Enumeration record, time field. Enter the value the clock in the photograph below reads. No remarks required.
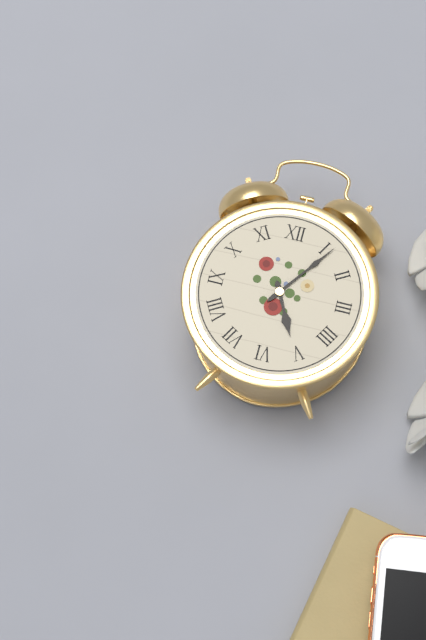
5:06
